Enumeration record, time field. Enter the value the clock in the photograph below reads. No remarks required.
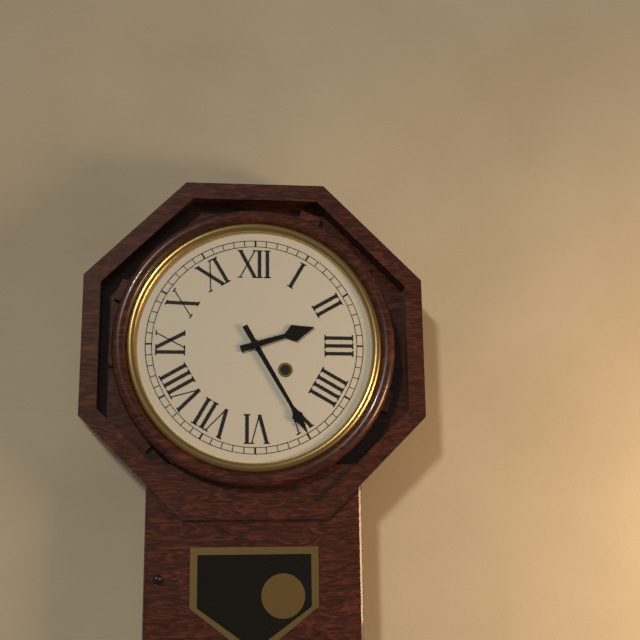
2:25
